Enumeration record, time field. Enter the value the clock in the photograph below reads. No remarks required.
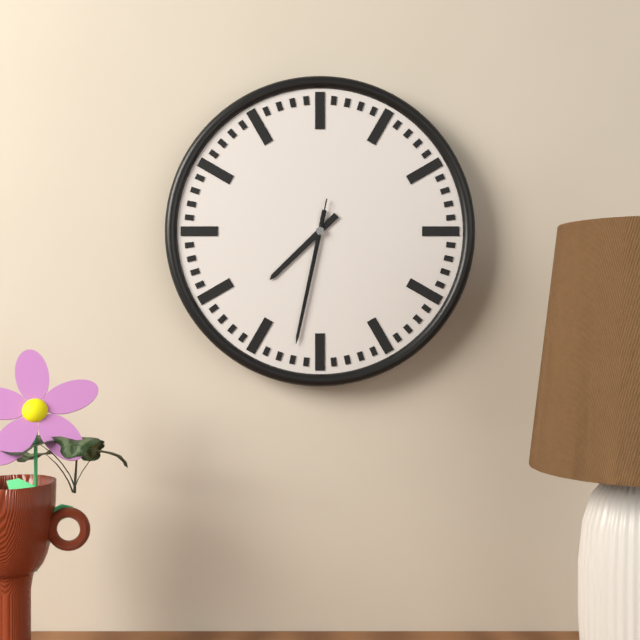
7:32:32
